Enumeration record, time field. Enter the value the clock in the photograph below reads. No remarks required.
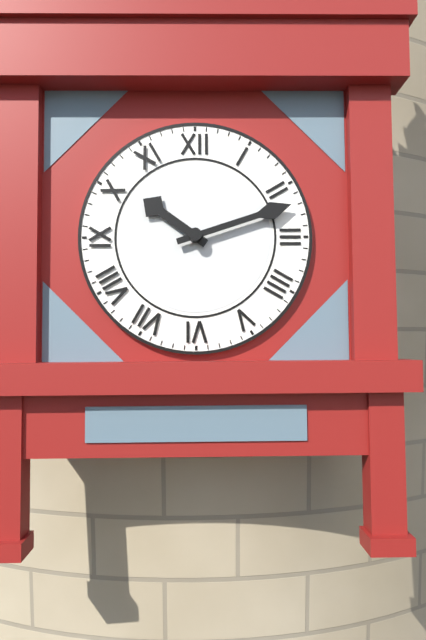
10:12
